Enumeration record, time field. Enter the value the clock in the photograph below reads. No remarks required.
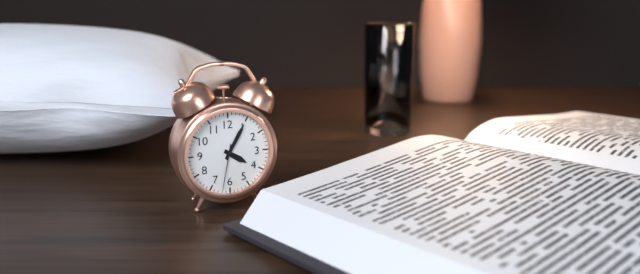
4:05
